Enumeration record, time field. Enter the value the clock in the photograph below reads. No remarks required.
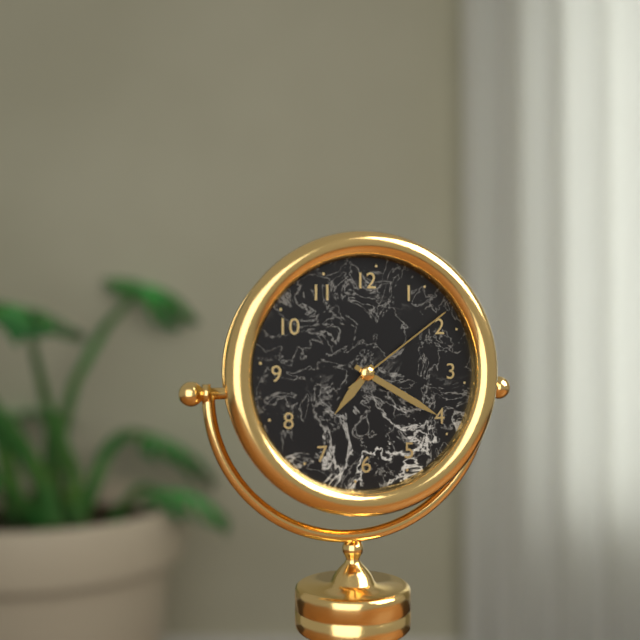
7:20:09
